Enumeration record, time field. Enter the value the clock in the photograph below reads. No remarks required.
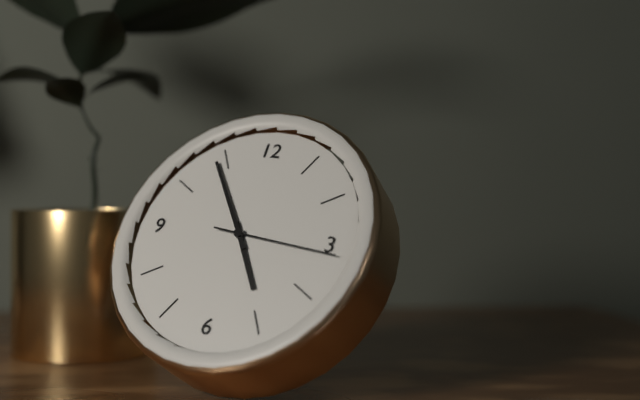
4:54:16
